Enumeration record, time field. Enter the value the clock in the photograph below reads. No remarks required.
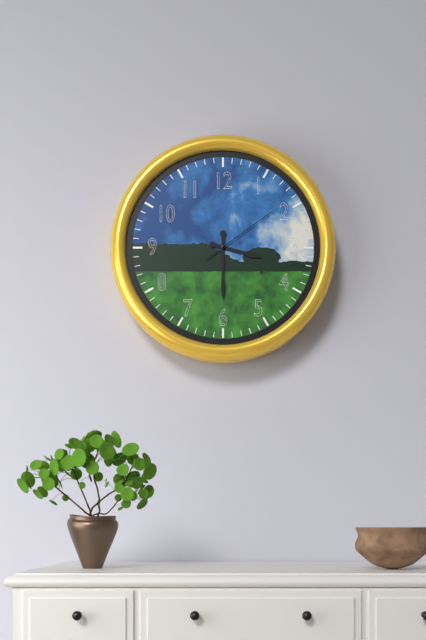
3:30:09
